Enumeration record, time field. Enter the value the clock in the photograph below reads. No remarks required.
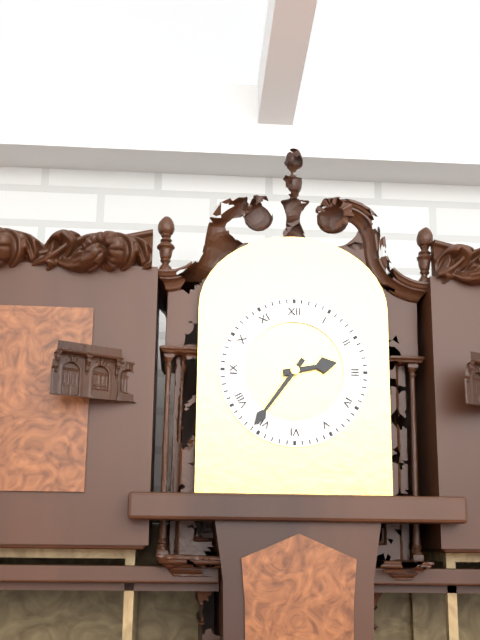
2:36
